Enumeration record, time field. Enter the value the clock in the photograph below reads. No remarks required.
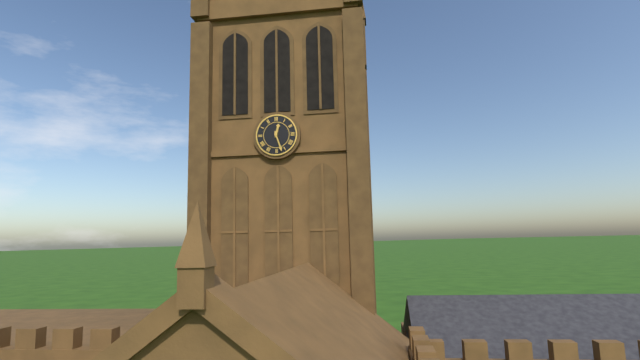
12:27
